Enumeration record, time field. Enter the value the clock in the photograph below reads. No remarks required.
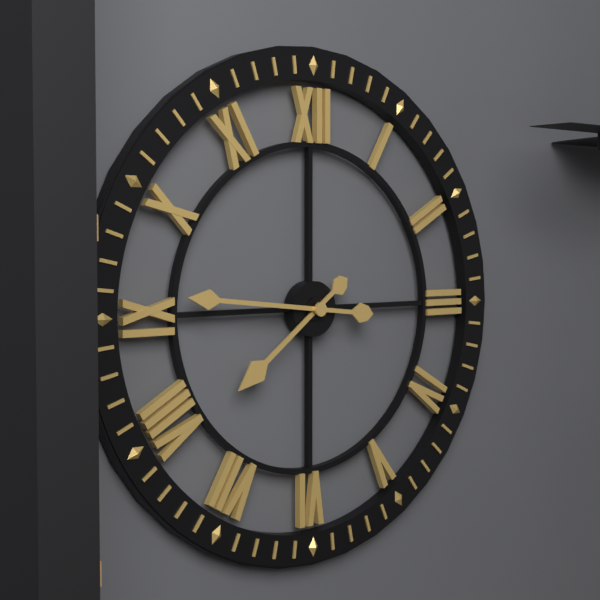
7:46
